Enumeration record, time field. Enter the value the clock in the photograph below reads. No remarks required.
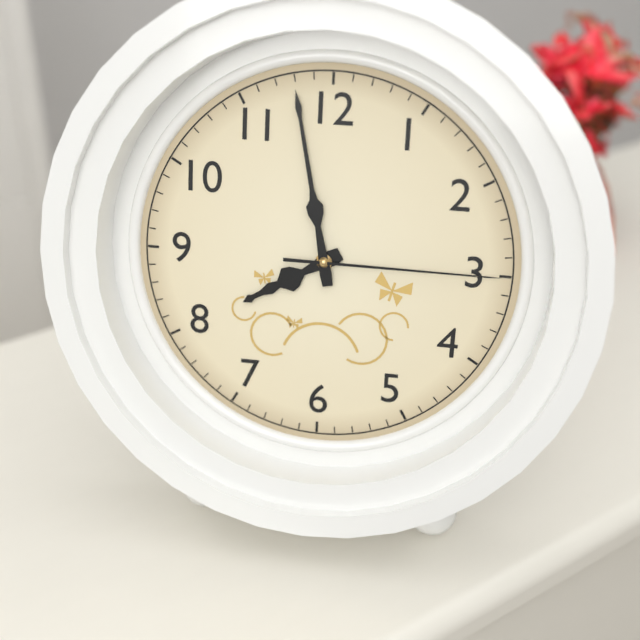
7:58:15
